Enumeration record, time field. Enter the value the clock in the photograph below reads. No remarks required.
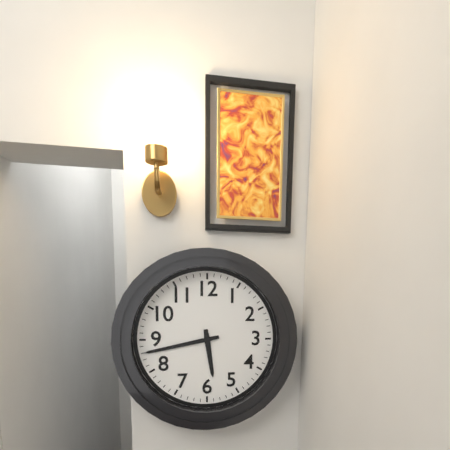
5:43
